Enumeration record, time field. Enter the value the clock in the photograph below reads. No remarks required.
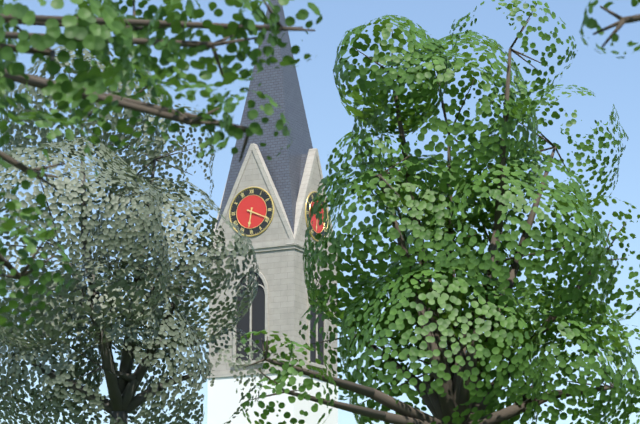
6:19
